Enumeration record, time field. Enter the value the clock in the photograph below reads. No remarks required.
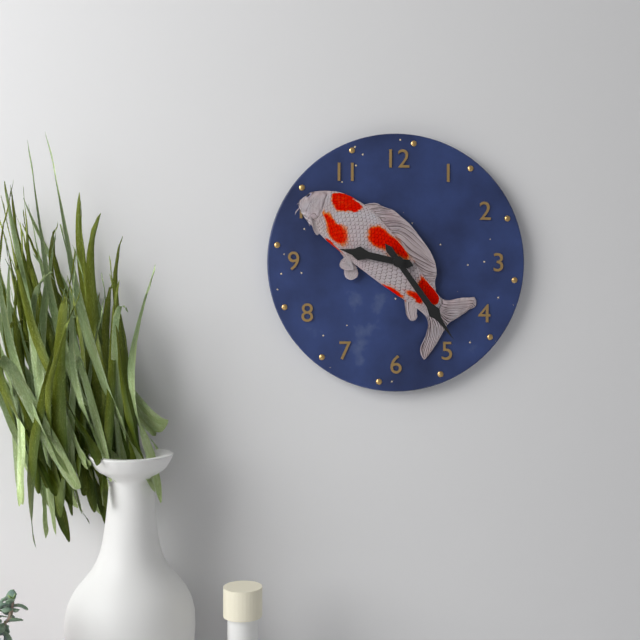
9:24
